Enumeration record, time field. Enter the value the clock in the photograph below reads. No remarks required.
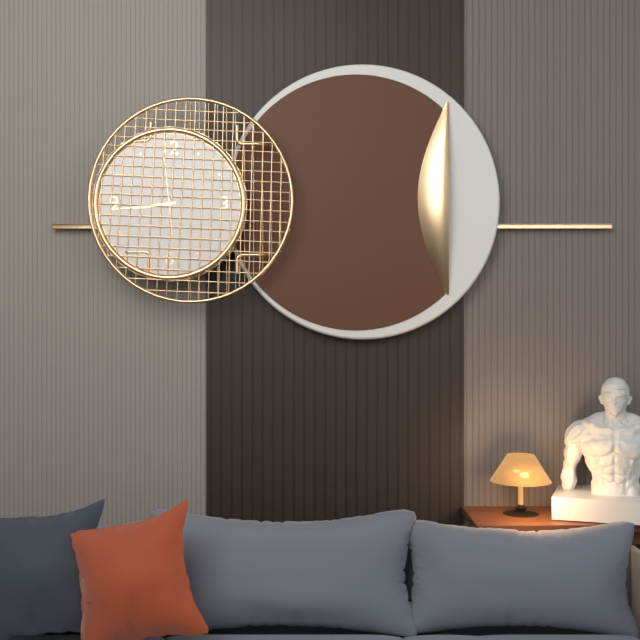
8:44:59
